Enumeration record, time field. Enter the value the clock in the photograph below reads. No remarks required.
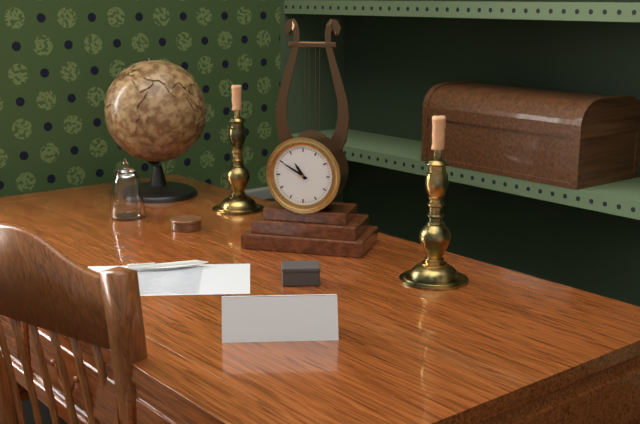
10:50
